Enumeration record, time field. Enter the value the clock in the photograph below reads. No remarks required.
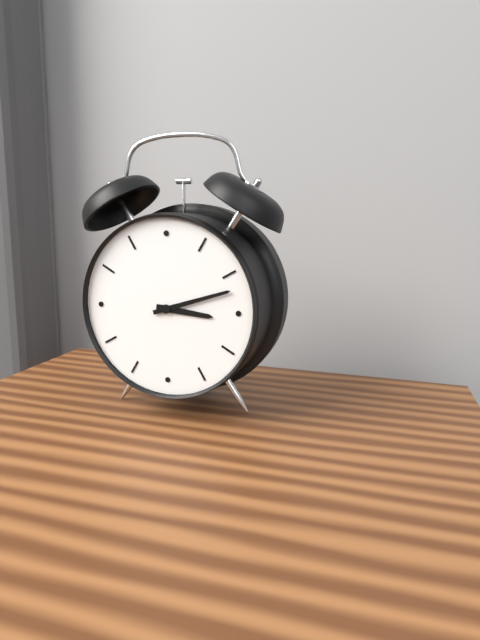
3:12
